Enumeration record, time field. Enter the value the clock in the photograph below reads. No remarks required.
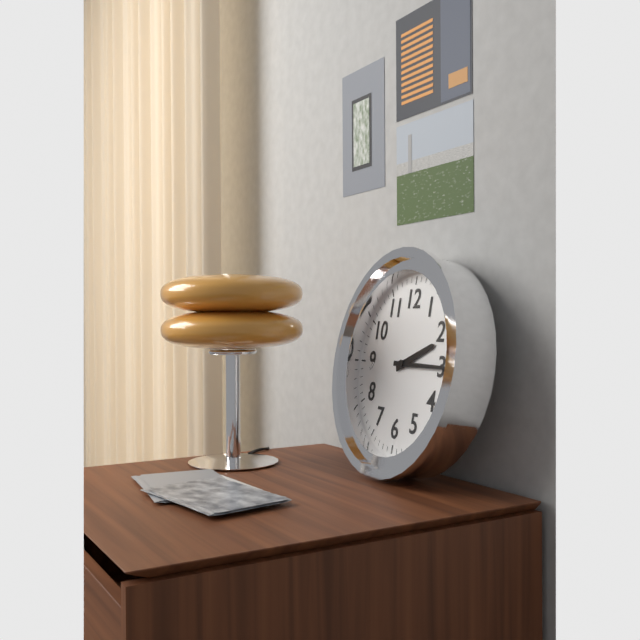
2:15
